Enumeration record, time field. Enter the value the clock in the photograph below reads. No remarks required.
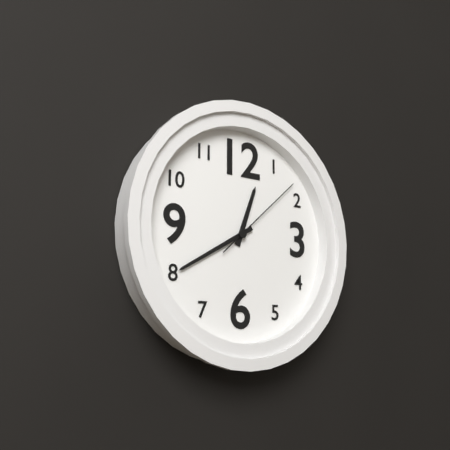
12:40:08
